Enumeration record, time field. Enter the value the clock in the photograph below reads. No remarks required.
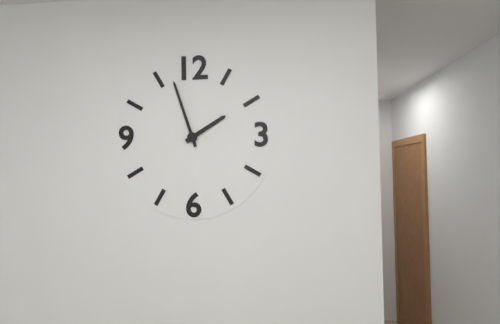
1:57
